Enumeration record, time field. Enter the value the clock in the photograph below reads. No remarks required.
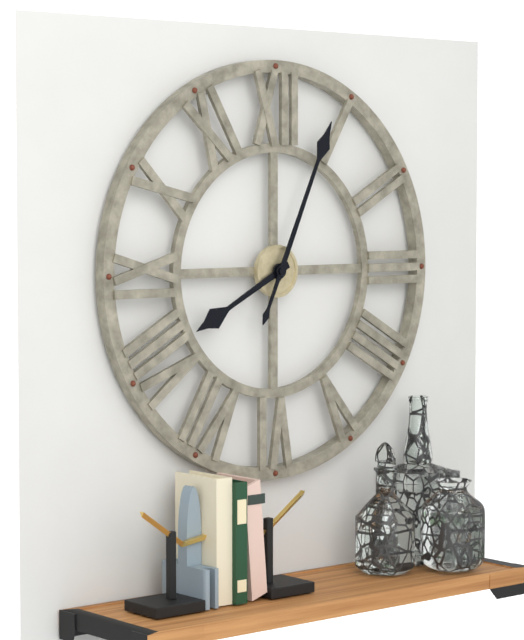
8:04
